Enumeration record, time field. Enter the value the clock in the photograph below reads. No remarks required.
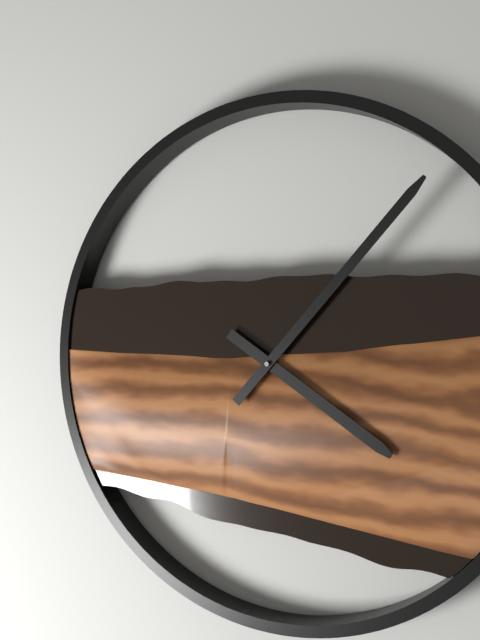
4:07
